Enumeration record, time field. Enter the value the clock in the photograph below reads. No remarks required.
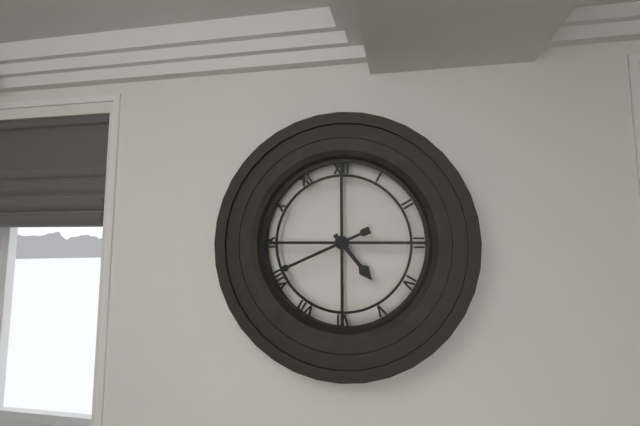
4:41
